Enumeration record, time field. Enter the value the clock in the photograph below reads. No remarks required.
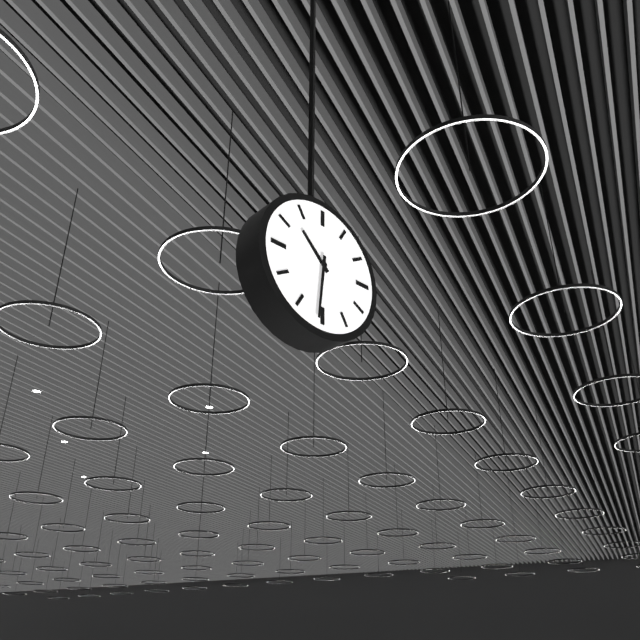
10:31
